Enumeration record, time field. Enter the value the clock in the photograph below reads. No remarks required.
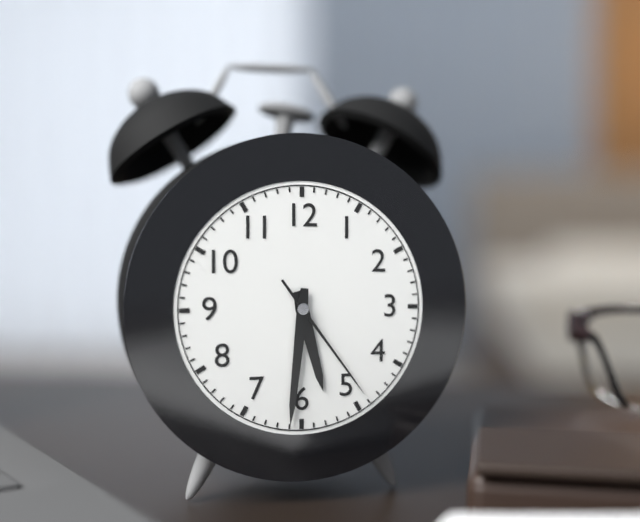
5:31:24
